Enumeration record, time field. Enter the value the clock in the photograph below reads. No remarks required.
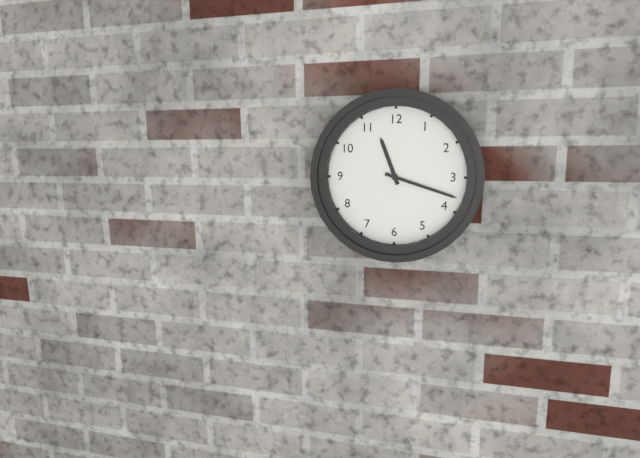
11:18
